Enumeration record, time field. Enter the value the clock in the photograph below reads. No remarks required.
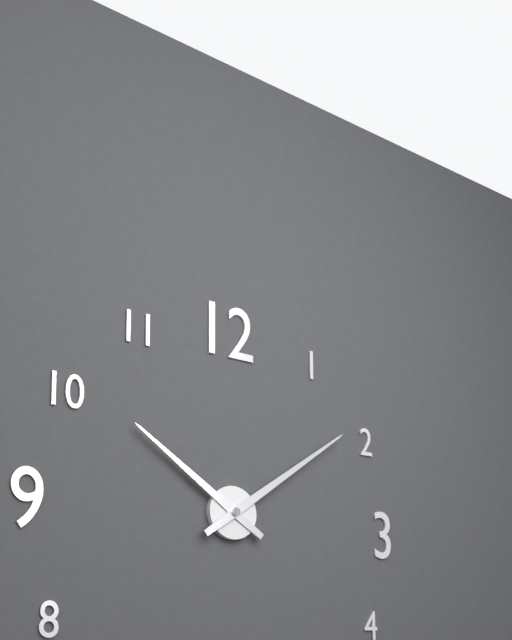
10:09
